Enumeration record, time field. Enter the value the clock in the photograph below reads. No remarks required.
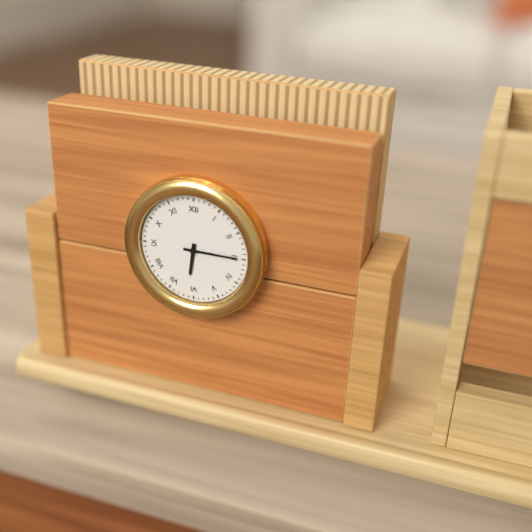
6:15
